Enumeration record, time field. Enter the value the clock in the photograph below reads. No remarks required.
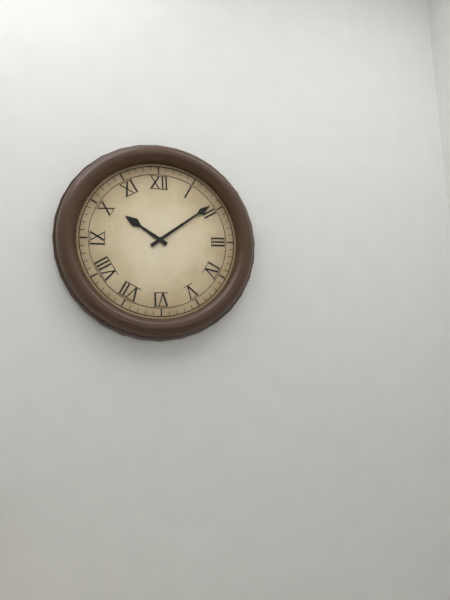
10:09
